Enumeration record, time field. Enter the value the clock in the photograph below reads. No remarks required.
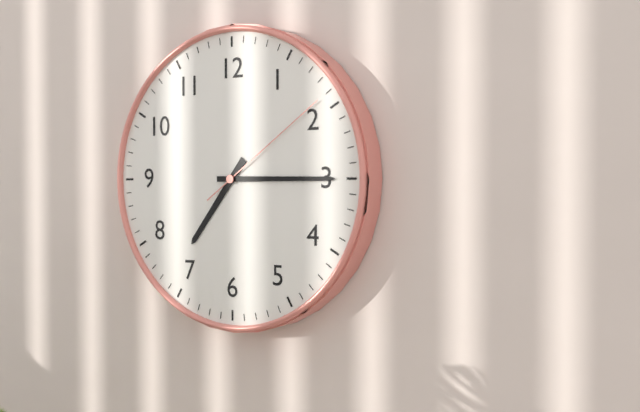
7:15:09
